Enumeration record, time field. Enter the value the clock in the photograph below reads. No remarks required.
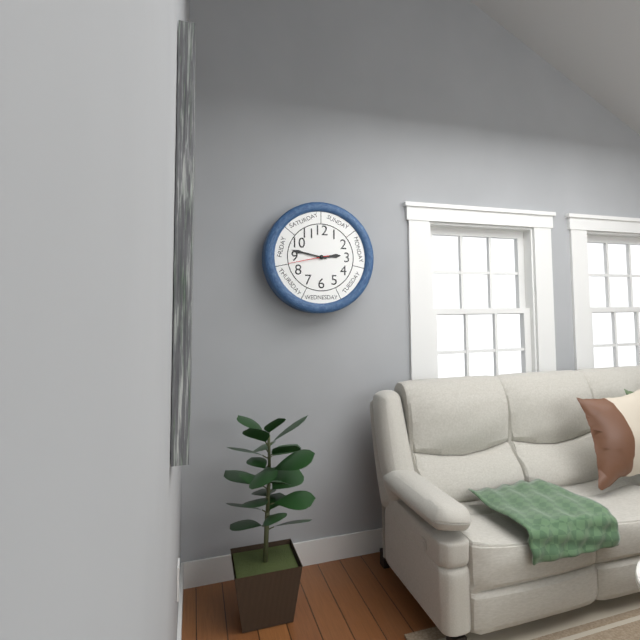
2:47
